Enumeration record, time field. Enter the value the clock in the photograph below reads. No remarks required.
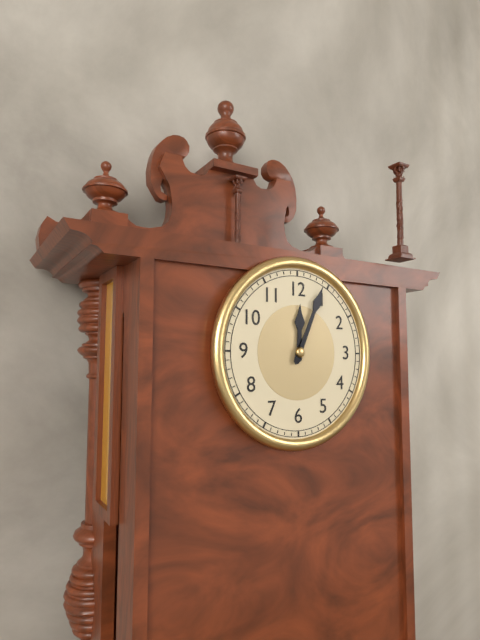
12:04
